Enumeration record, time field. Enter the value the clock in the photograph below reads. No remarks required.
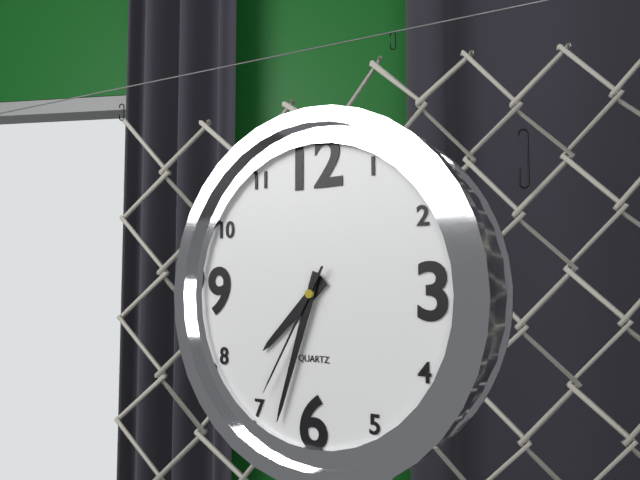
7:33:35
